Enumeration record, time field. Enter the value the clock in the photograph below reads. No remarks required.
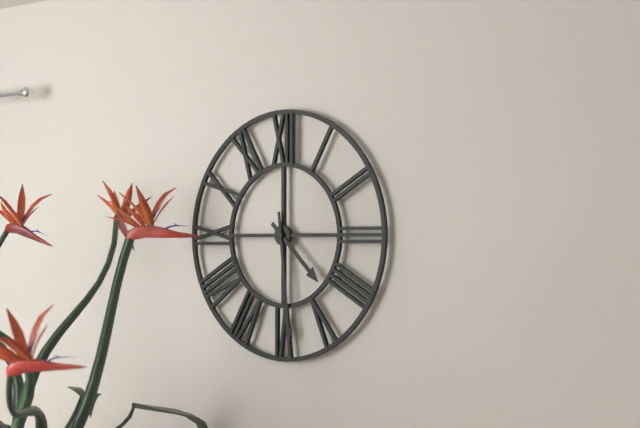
4:29
